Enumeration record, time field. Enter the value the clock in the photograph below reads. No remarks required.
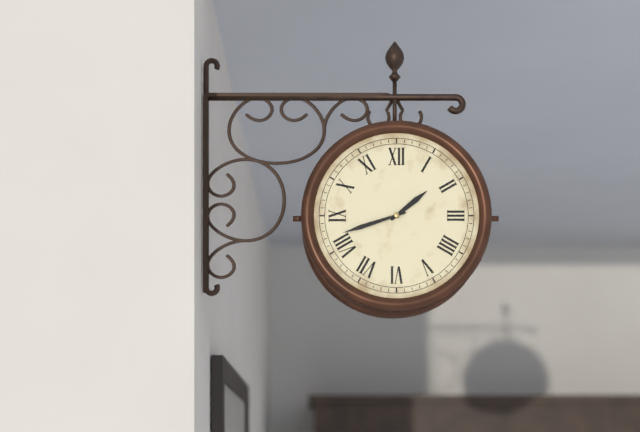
1:42
